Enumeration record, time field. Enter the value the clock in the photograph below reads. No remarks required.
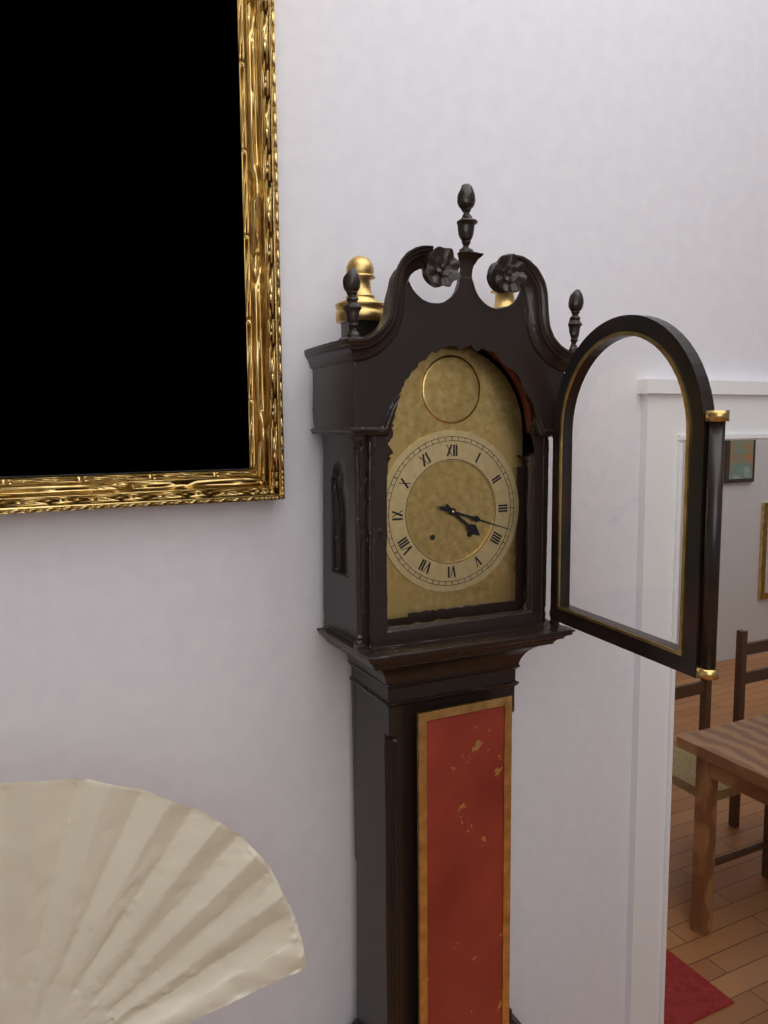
4:18
